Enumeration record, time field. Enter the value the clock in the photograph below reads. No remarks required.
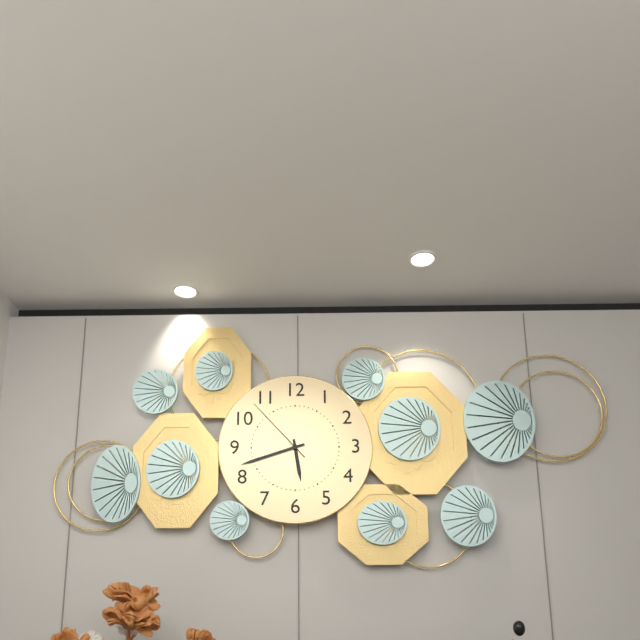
5:42:53
